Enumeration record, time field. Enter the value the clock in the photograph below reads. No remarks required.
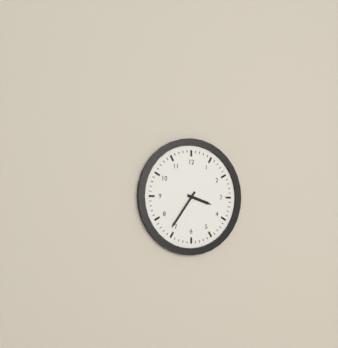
3:36
